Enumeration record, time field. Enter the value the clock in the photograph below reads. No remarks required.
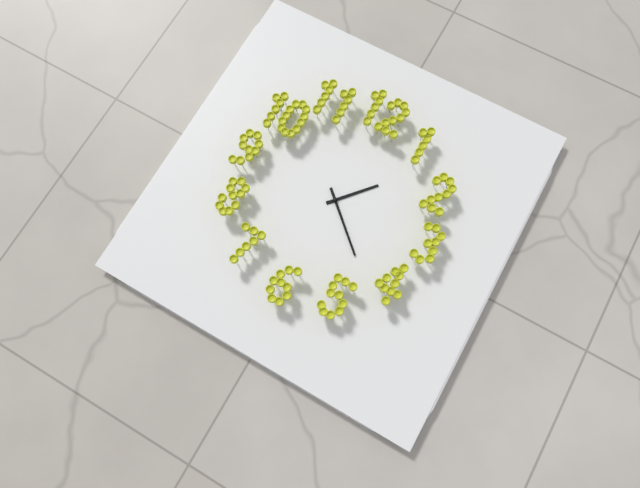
1:22
